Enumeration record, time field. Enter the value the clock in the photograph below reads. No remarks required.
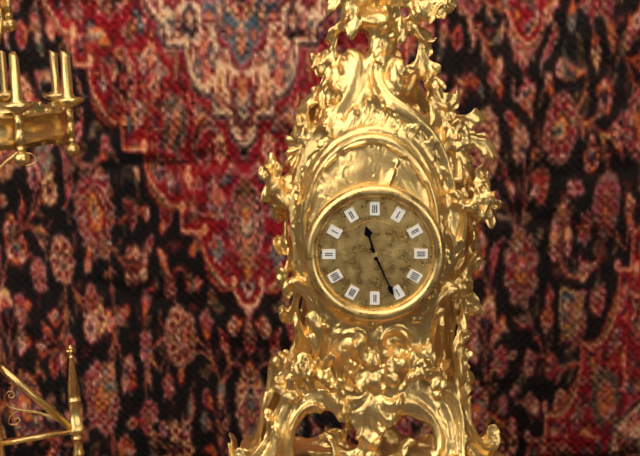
11:26
